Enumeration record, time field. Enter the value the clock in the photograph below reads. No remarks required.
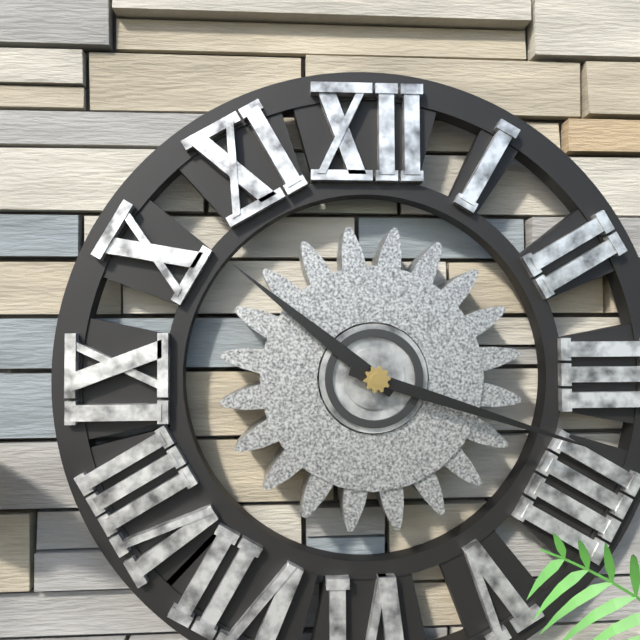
10:18
